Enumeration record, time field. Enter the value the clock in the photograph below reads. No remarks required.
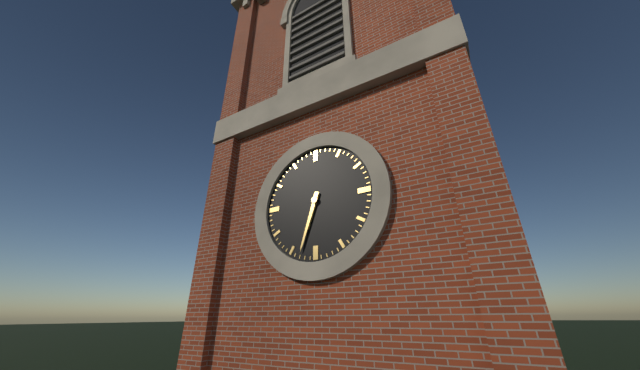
6:33
